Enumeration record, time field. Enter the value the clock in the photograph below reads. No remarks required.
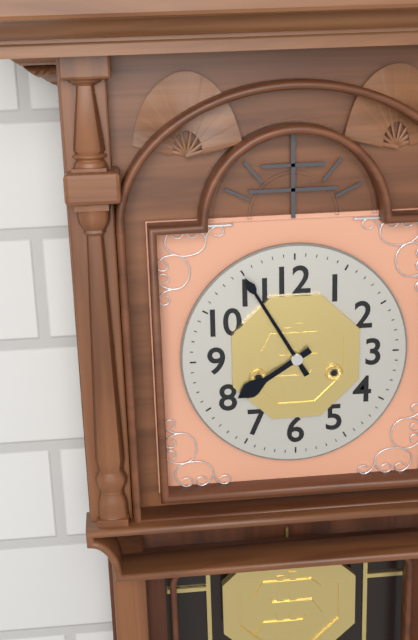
7:55
